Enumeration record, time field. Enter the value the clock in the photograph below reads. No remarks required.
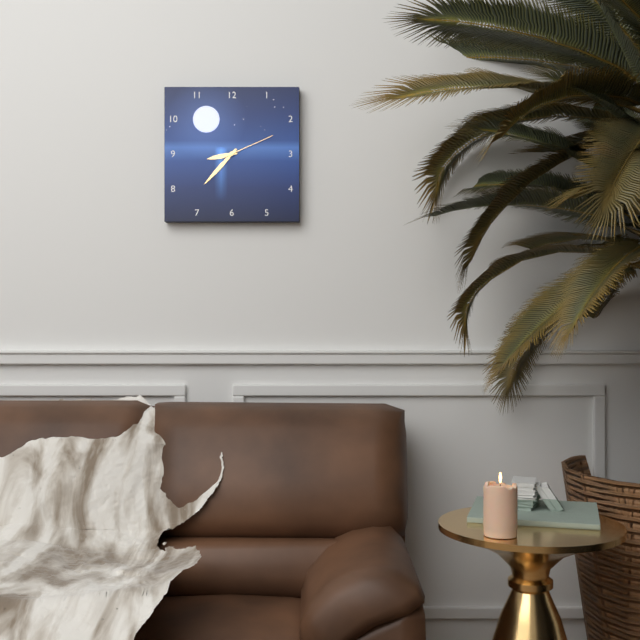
8:37:11
